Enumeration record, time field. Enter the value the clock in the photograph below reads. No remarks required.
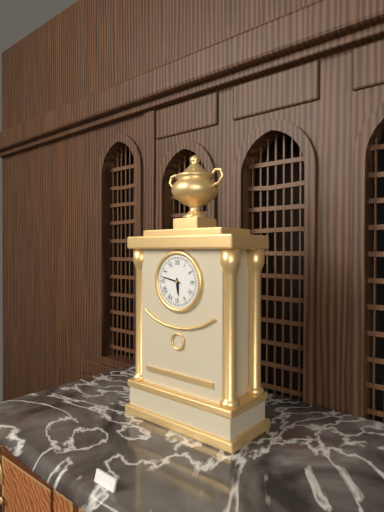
5:47
